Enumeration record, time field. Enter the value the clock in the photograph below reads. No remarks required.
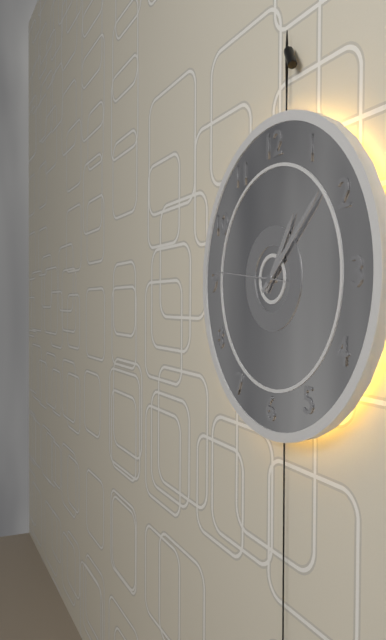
1:08:46
